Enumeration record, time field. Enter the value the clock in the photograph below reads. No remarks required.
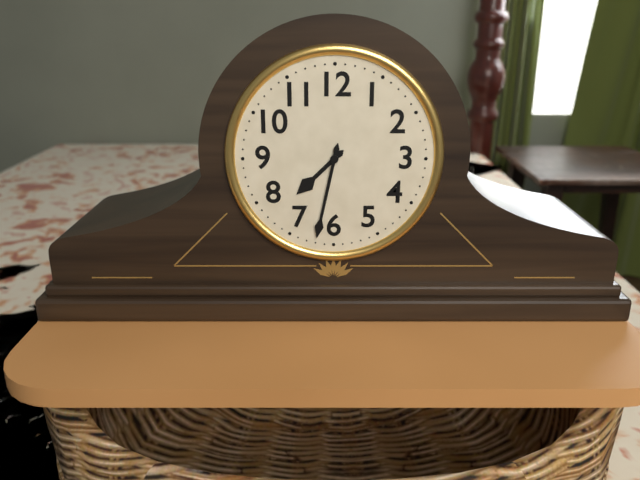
7:32
